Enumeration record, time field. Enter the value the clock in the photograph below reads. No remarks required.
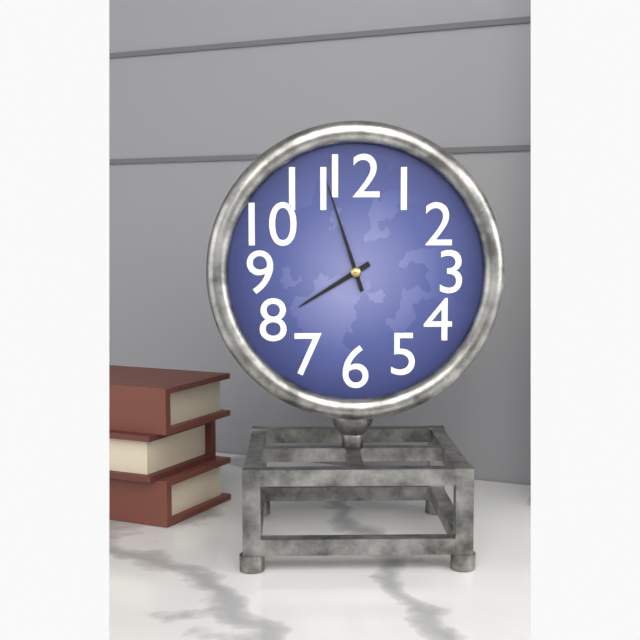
7:57
